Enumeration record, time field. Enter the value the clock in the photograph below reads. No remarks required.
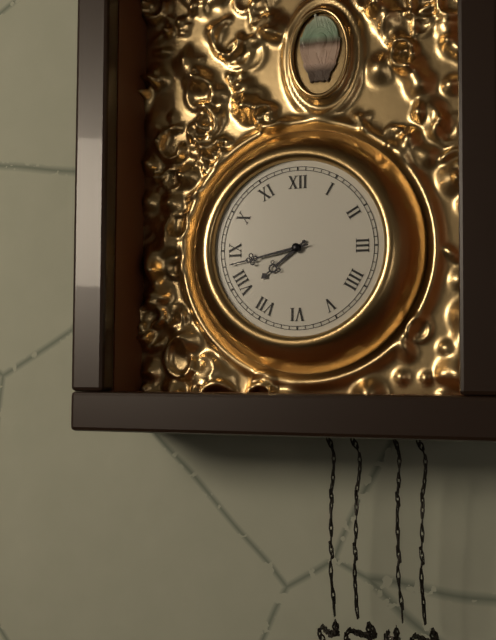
7:43
